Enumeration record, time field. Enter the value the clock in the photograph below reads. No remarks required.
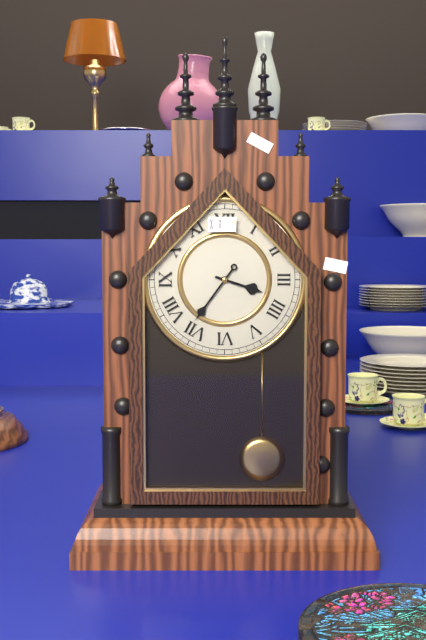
3:36
